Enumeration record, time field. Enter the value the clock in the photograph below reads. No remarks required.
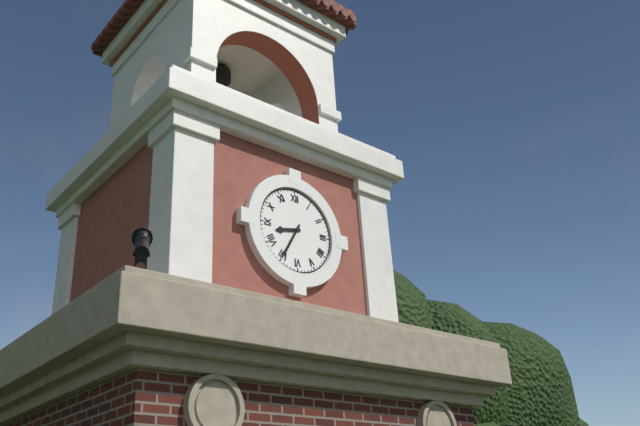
8:35
